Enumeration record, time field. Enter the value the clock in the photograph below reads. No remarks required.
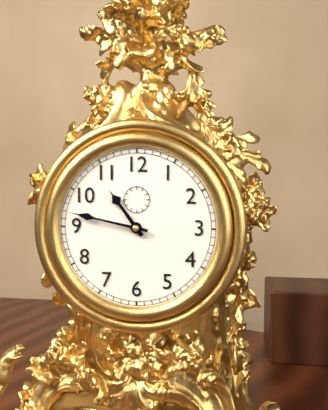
10:47
